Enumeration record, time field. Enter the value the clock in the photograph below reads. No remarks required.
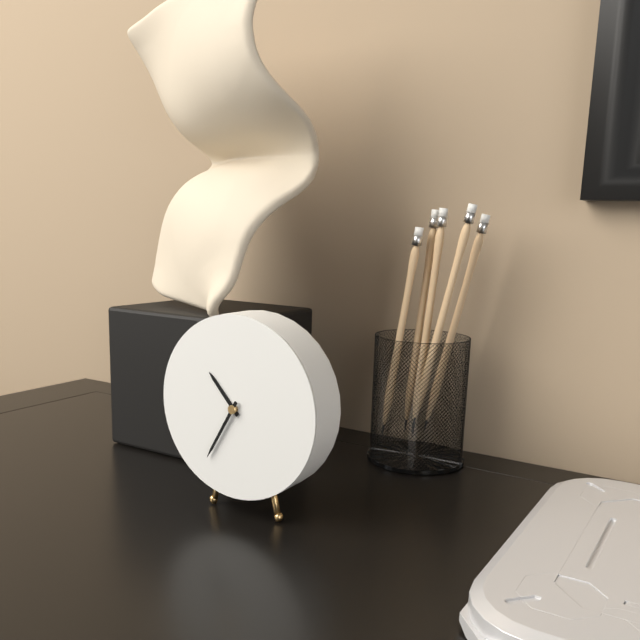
10:35
